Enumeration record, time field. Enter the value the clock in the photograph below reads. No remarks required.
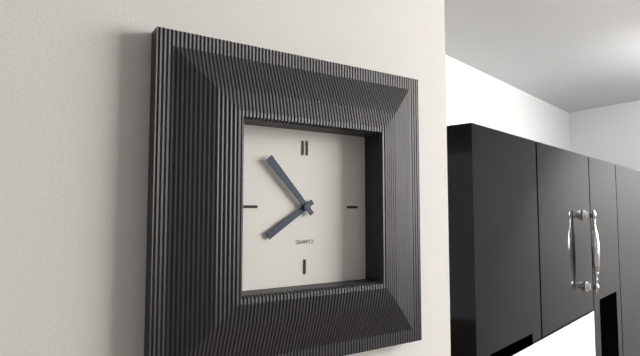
7:53
